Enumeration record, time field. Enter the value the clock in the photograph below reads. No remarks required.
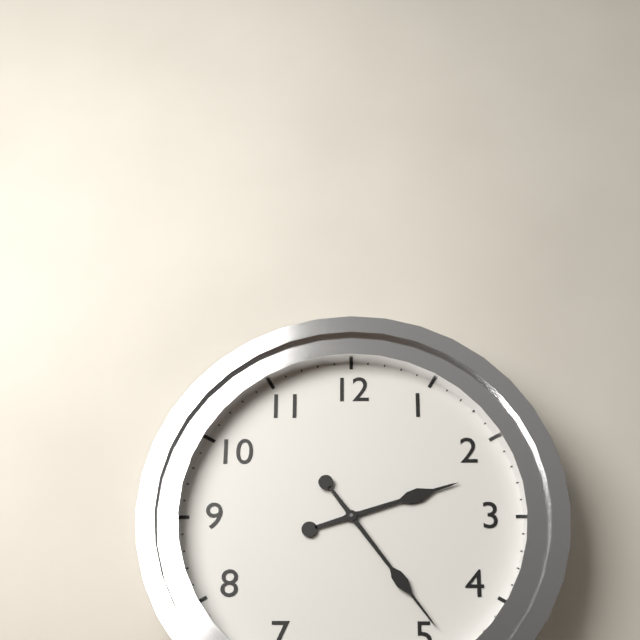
2:24
